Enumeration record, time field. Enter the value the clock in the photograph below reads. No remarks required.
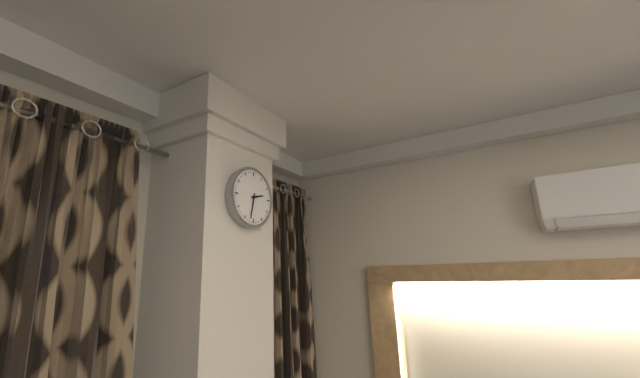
2:32
